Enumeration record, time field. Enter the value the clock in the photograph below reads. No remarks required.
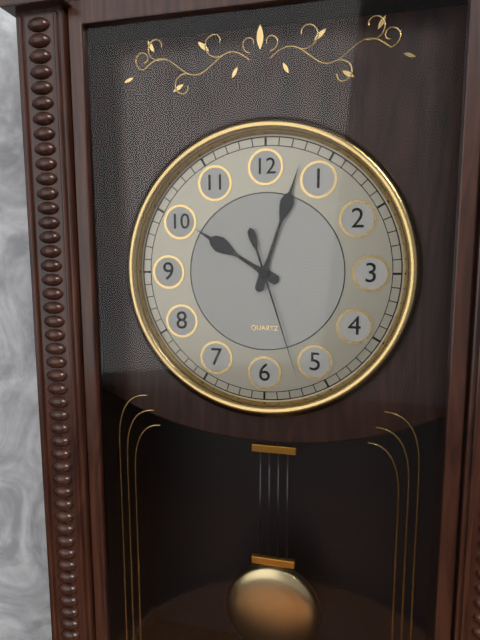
10:03:27
